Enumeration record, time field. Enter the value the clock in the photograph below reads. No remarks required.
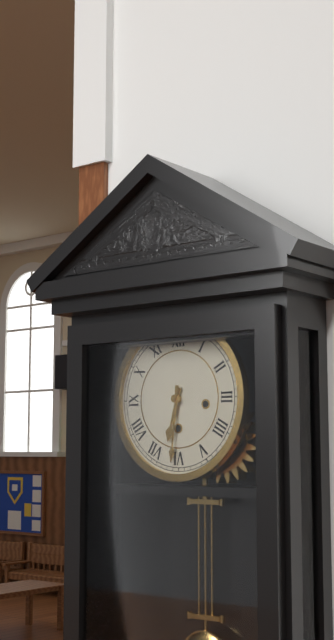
6:31
